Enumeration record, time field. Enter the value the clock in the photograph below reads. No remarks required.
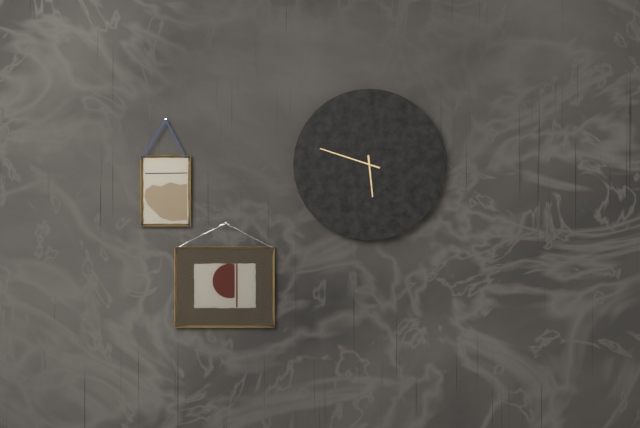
5:48
